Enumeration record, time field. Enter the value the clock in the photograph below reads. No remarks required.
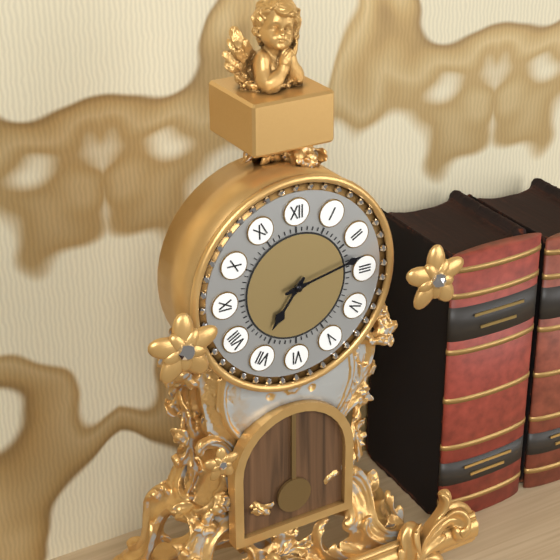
7:13
